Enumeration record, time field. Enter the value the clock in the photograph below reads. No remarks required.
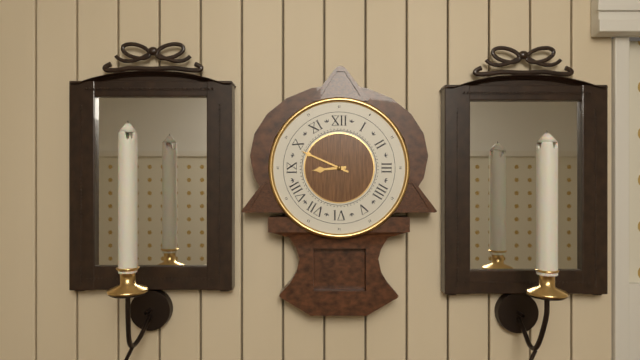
8:49
